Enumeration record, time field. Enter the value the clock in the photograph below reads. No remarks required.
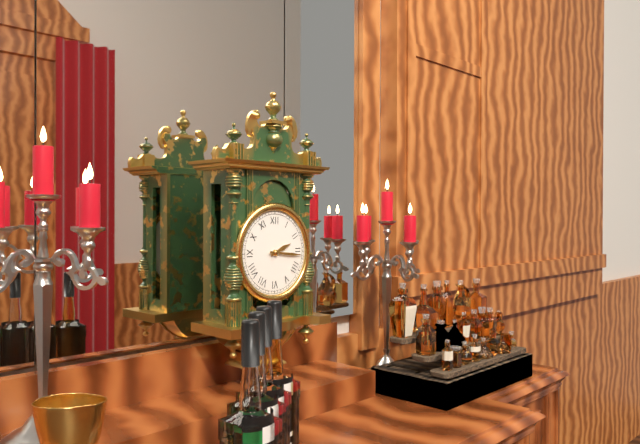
2:16
